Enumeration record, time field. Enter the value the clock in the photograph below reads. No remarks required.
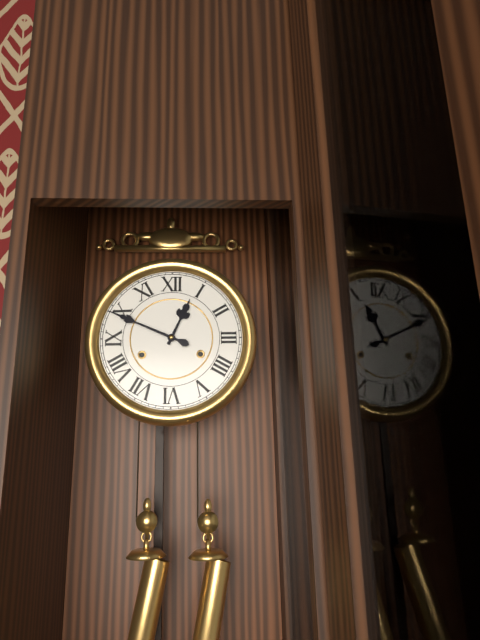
12:49
